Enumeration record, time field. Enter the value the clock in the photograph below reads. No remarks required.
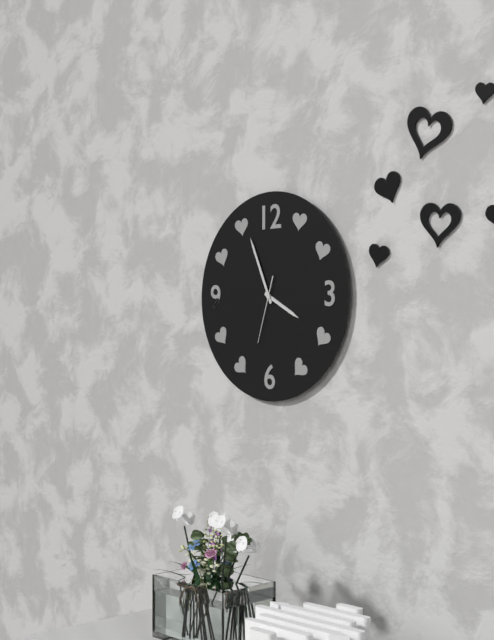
3:56:33
